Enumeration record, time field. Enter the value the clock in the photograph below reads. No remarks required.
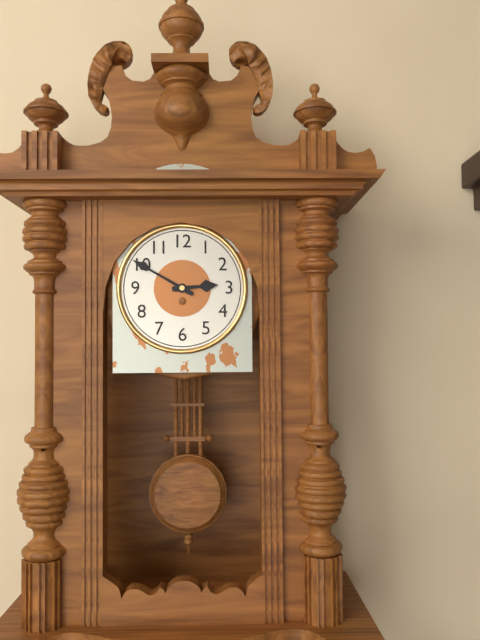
2:50
